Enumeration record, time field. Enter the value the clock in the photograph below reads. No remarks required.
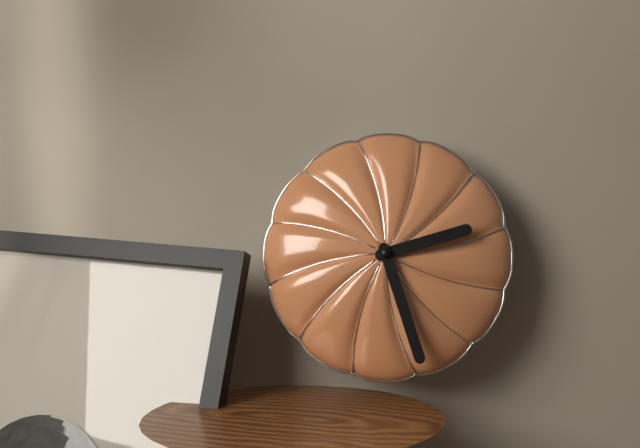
2:27
